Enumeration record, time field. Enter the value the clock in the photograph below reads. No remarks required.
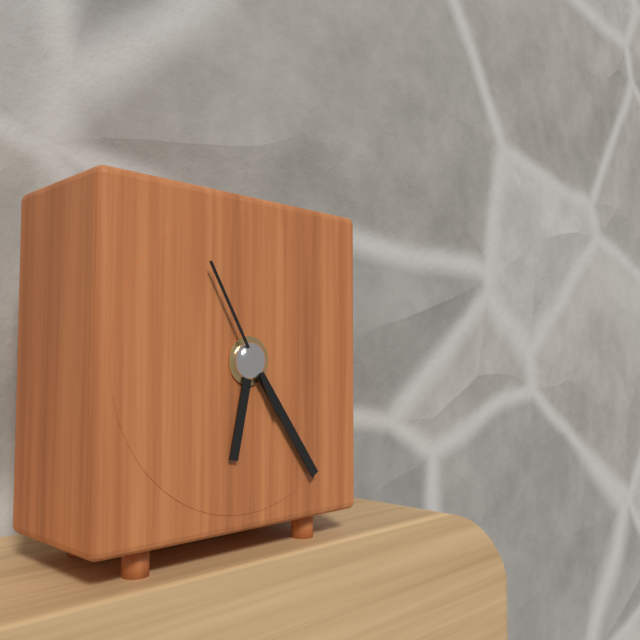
6:24:55
